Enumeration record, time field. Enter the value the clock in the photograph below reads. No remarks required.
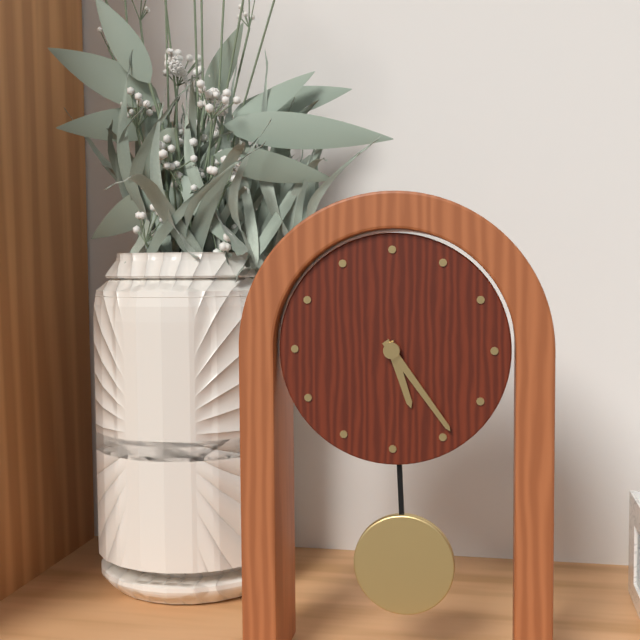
5:24
